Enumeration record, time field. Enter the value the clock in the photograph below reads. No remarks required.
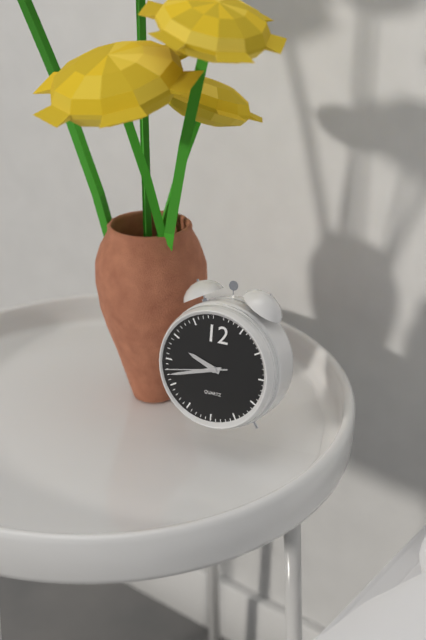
9:42:43
